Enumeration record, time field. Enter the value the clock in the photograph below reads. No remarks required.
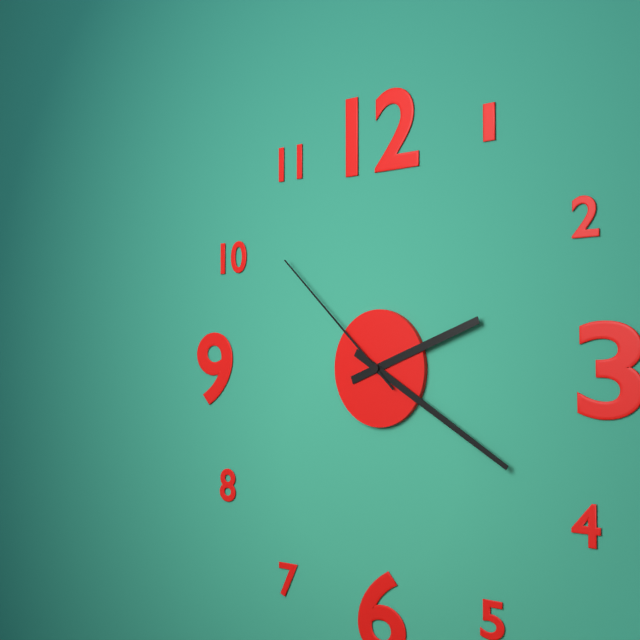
2:20:52
